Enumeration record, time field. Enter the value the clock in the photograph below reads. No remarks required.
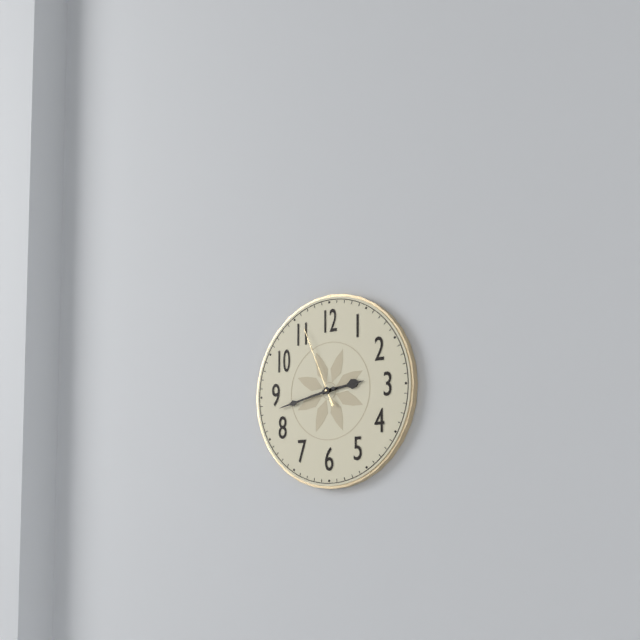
2:43:56
